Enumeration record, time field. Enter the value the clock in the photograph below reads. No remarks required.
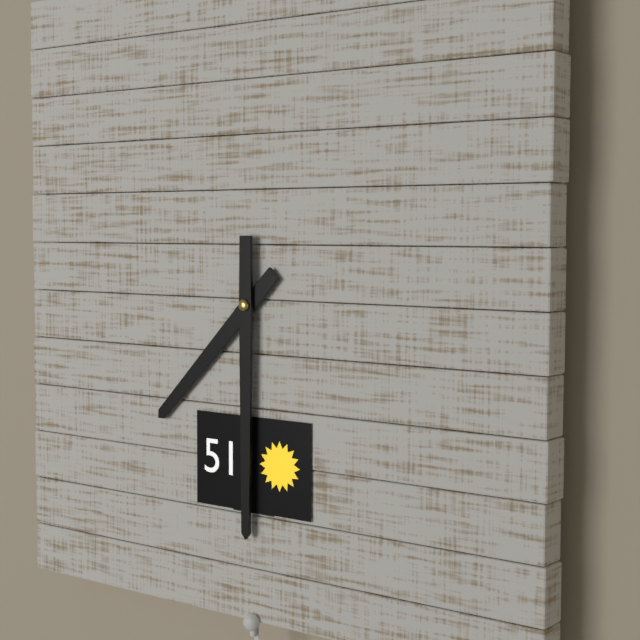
7:30
